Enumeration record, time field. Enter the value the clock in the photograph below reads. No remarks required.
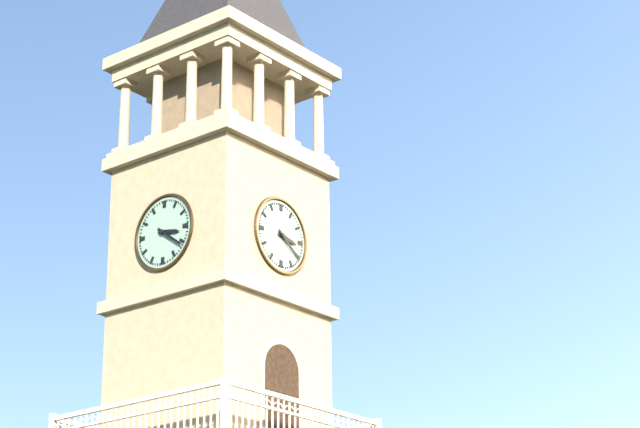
3:21
